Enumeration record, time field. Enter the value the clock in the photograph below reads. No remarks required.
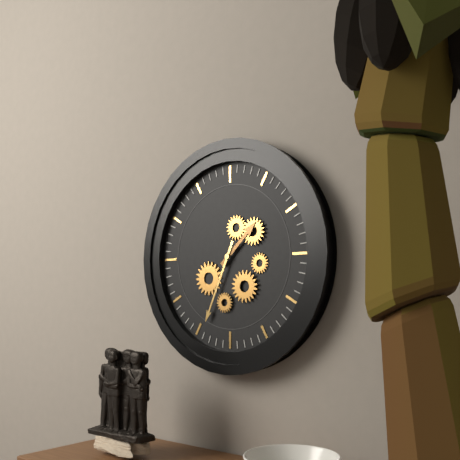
1:34
